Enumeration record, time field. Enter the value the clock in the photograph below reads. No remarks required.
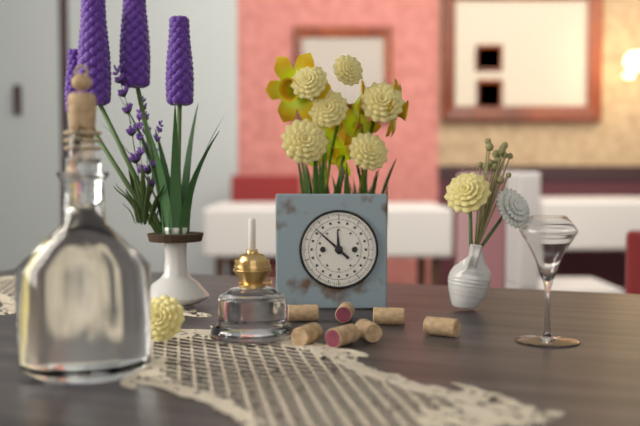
11:52
